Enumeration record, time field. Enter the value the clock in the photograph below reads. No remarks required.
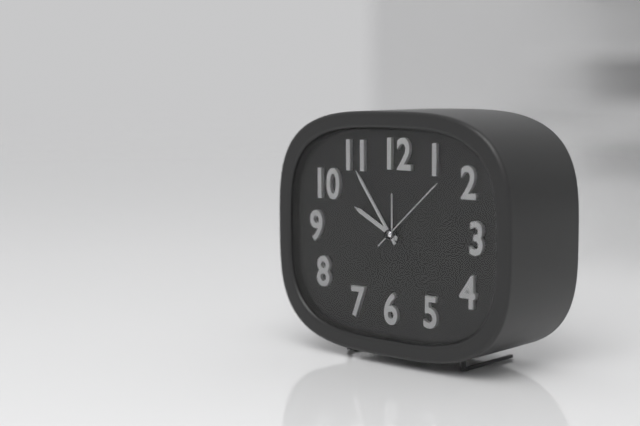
9:54:08
